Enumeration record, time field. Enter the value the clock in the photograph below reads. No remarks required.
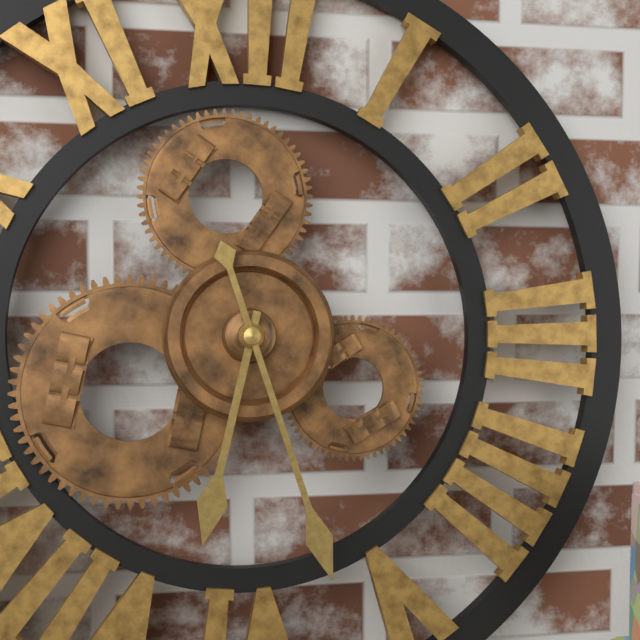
6:27
